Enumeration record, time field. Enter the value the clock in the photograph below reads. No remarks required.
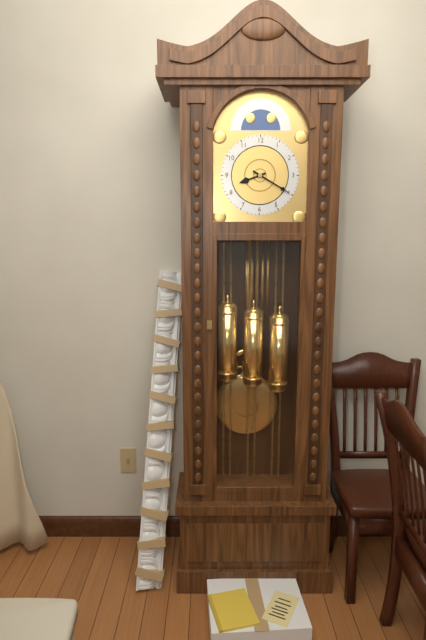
8:20
